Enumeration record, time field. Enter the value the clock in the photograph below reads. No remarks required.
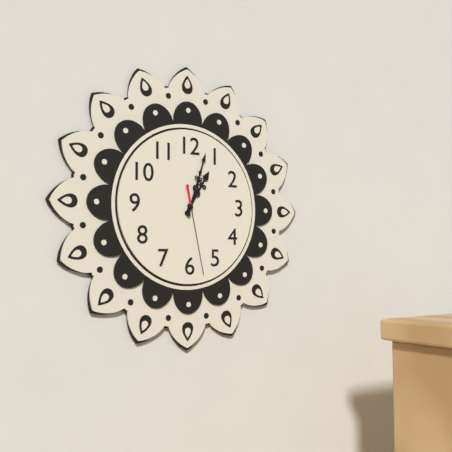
1:03:28
